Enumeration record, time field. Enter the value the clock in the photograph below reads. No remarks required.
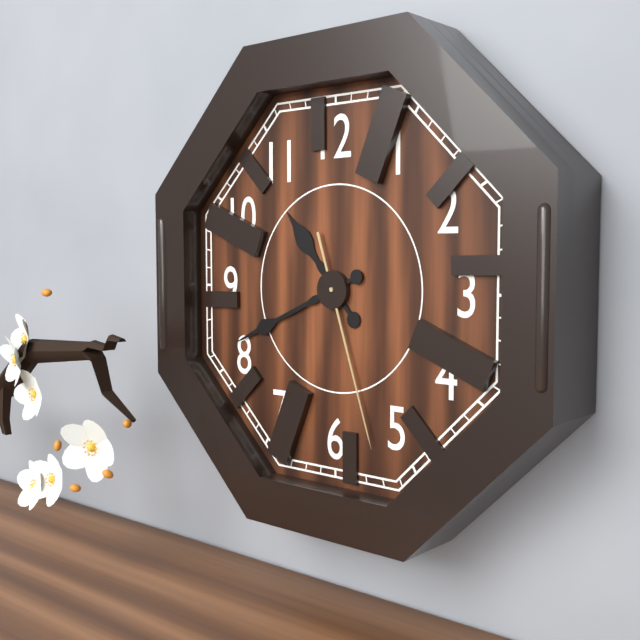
10:41:27
